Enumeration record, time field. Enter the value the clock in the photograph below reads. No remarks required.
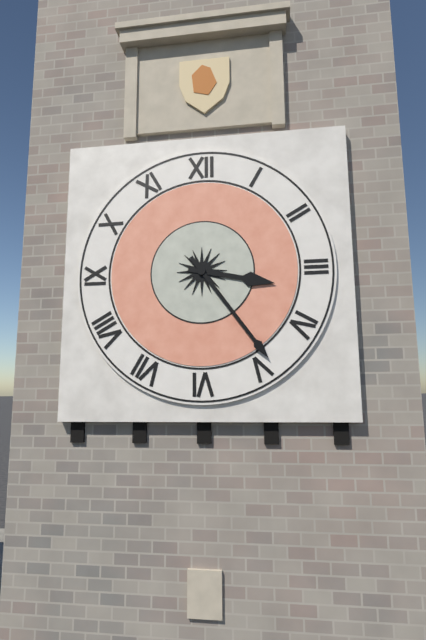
3:24
